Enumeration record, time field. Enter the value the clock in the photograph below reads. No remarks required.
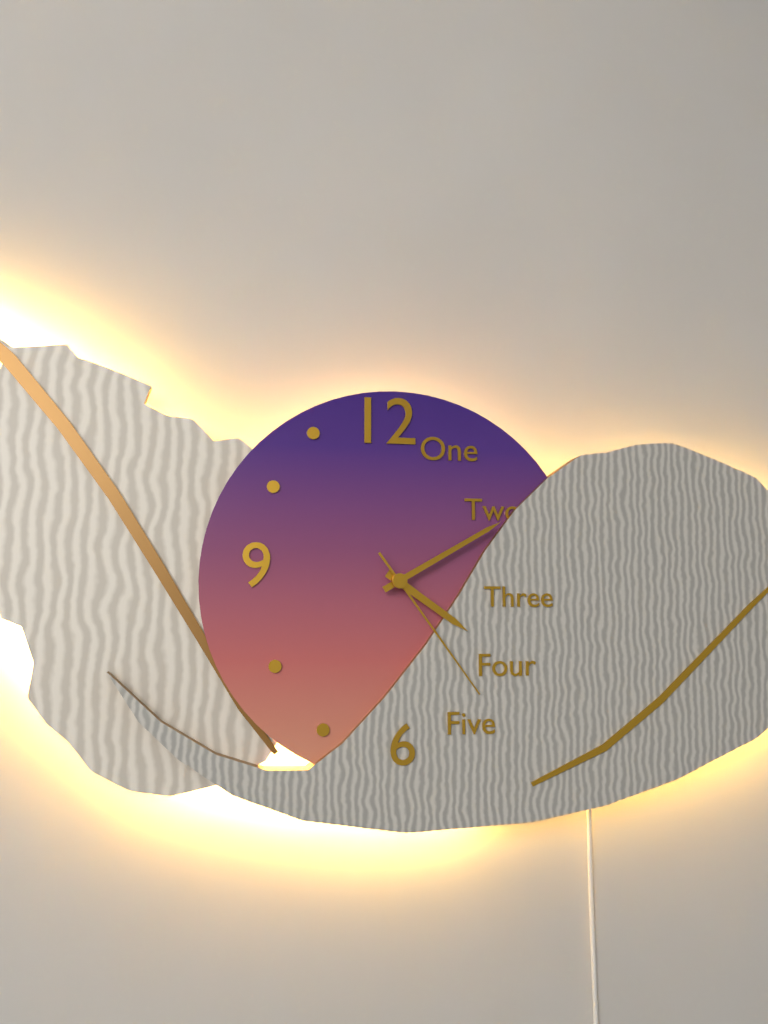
4:10:24
